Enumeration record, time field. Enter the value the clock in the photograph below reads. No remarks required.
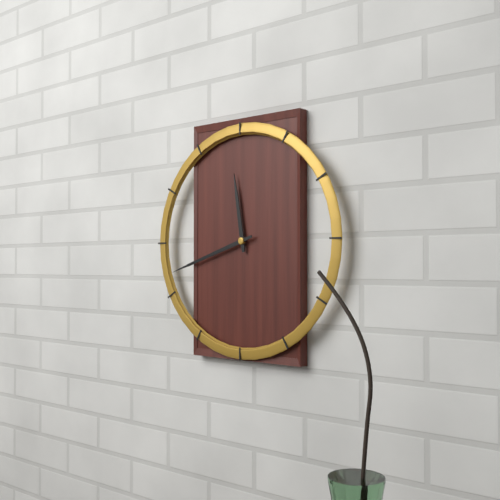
11:42
